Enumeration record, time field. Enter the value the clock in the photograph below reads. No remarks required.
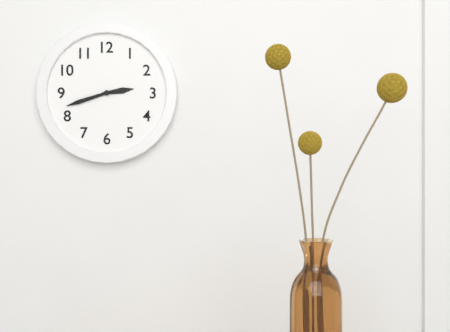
2:42
